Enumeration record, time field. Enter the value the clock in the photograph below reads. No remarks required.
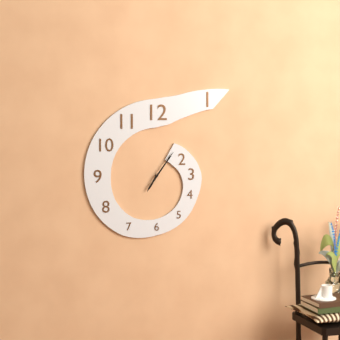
7:06
